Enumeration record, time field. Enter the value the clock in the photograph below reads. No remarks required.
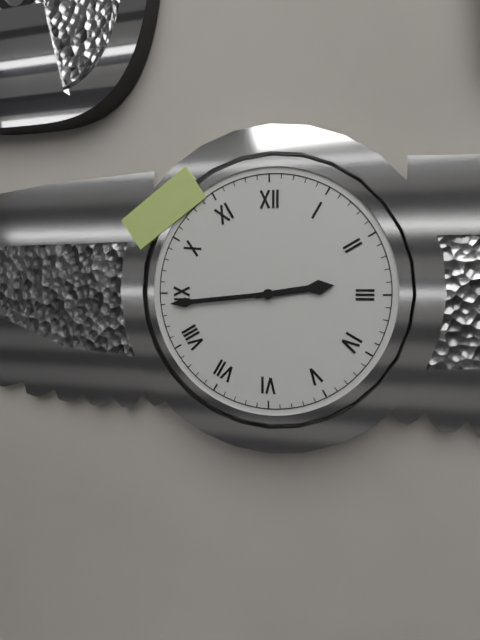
2:44
